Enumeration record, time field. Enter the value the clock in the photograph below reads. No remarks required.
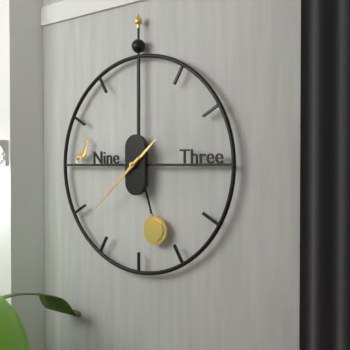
1:38
